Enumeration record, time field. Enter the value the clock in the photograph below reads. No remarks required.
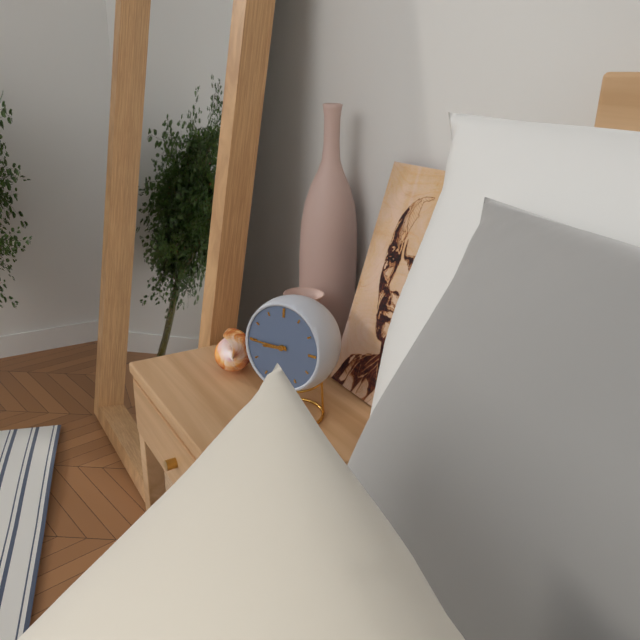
8:45
